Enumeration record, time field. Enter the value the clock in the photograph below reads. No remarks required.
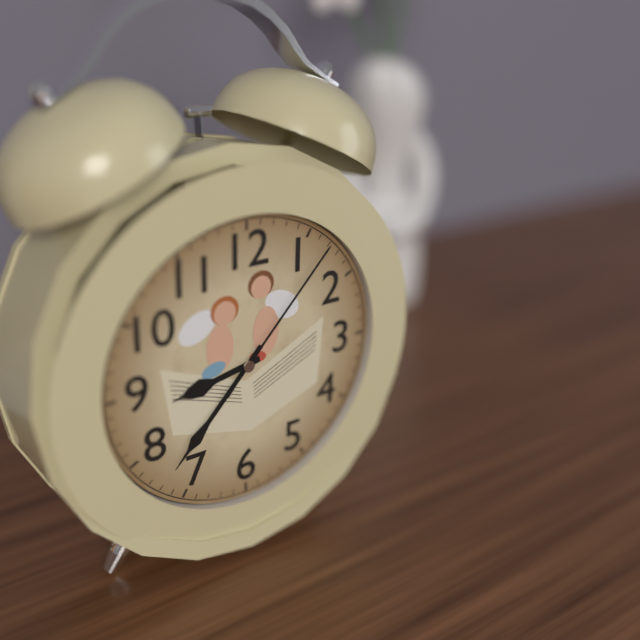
8:37:07
